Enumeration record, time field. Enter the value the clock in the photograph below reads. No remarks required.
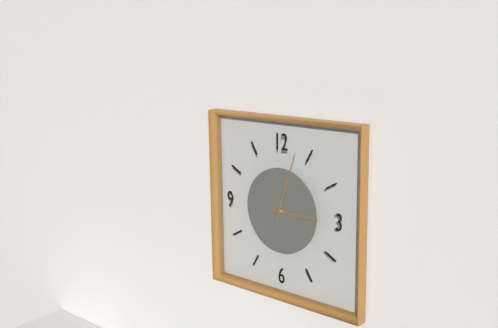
3:03
